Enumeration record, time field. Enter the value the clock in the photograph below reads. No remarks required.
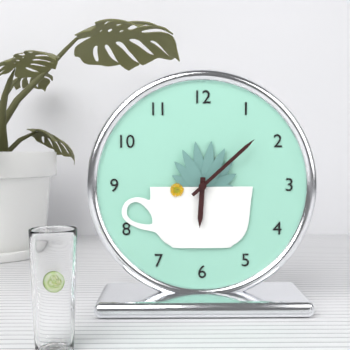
6:08
